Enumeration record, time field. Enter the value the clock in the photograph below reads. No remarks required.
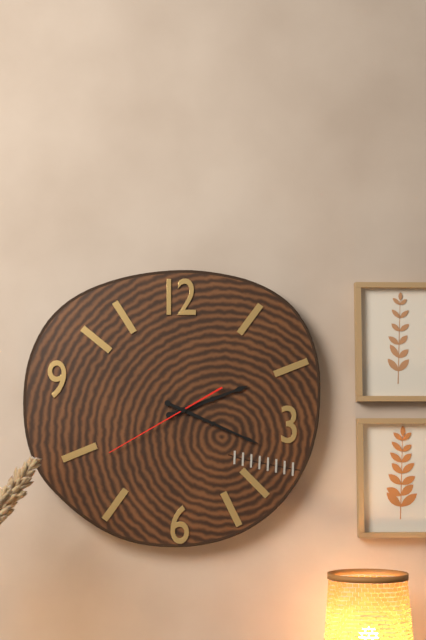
2:19:40
